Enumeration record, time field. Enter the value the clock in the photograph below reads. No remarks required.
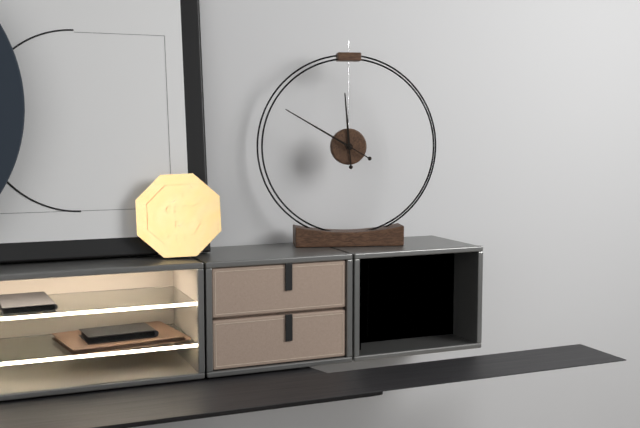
11:50
